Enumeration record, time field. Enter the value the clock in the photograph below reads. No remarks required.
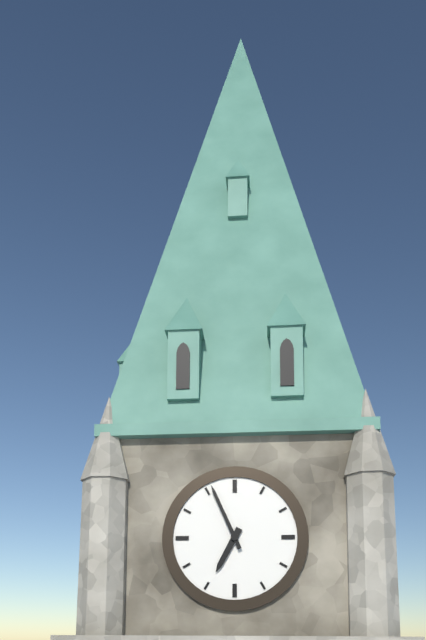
6:56
